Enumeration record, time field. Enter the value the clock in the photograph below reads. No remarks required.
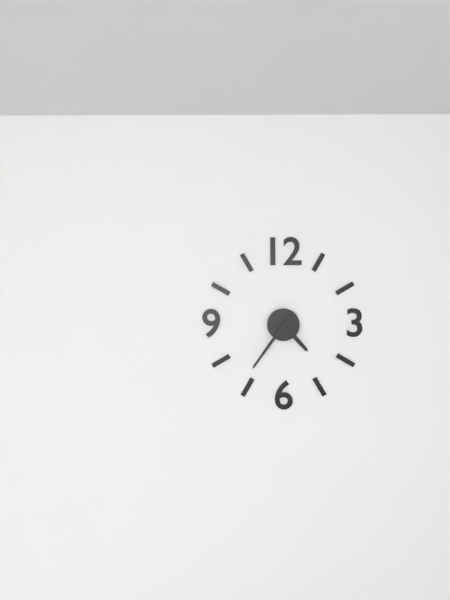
4:36
